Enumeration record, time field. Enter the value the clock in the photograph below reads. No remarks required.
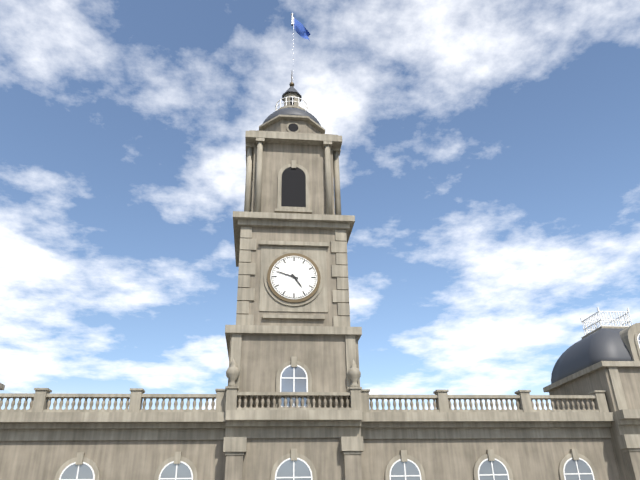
4:48
